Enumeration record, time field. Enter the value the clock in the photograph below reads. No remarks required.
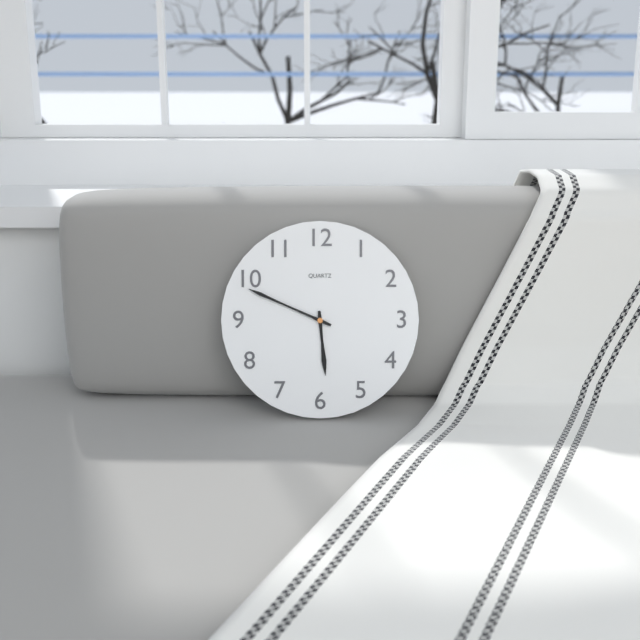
5:49
